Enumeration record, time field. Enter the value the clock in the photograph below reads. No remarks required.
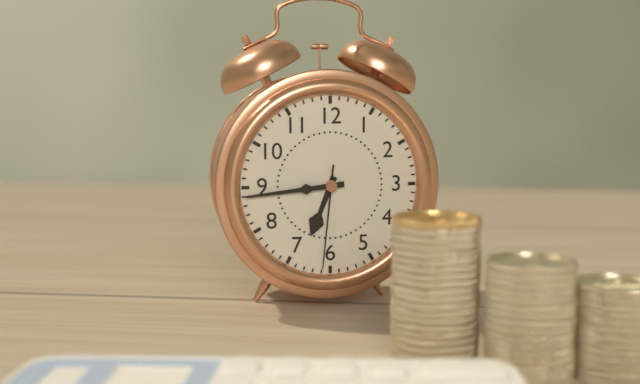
6:44:31
